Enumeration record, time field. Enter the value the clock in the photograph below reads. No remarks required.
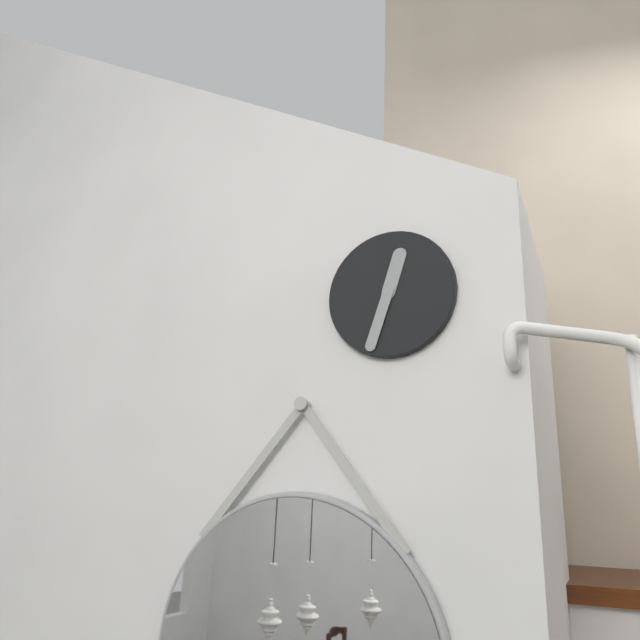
12:33
